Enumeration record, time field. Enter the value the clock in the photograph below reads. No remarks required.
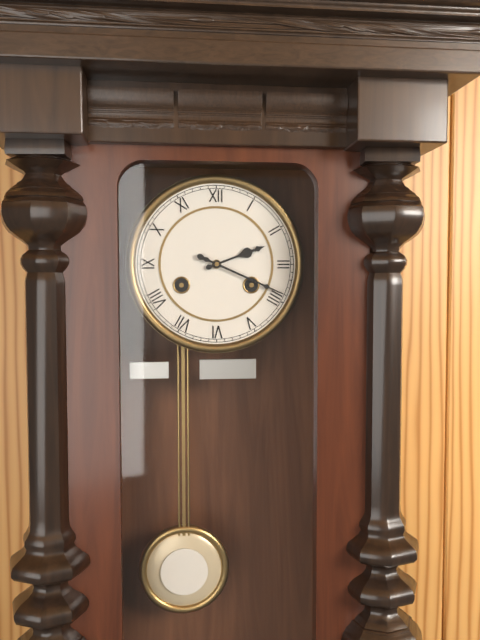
2:19
